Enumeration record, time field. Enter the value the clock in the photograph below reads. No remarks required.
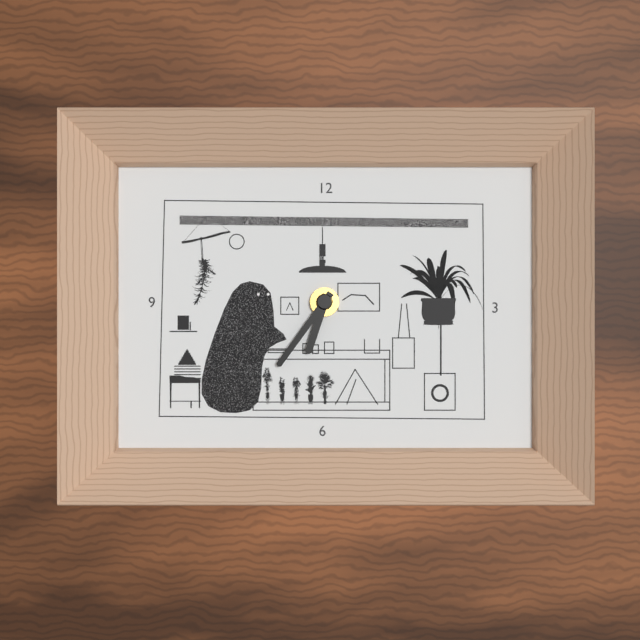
6:36
